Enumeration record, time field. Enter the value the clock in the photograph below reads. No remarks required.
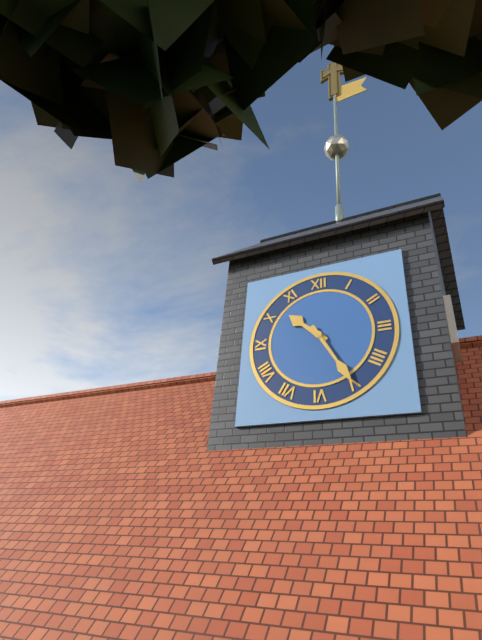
10:25
